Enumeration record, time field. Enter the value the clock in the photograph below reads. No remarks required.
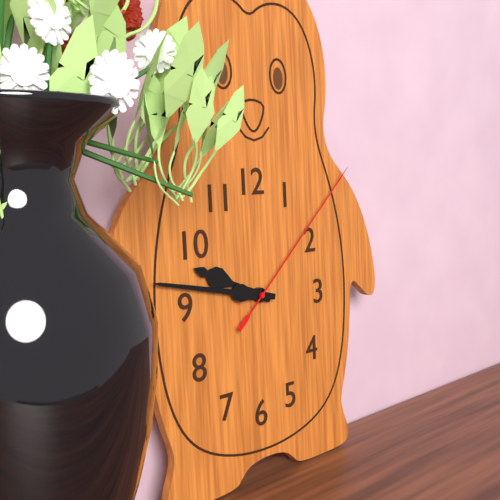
9:47:08
